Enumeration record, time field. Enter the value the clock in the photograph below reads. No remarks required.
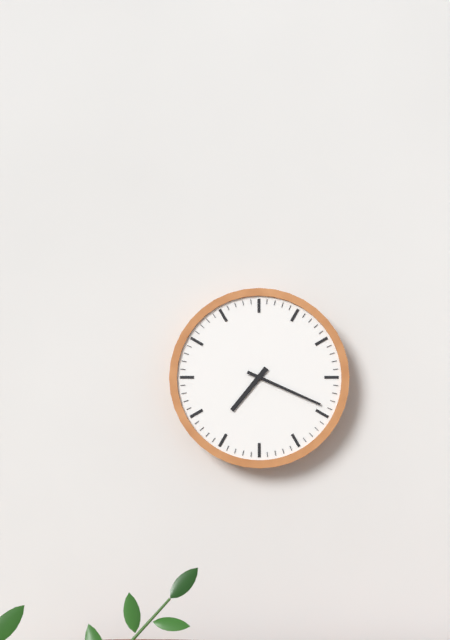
7:19
